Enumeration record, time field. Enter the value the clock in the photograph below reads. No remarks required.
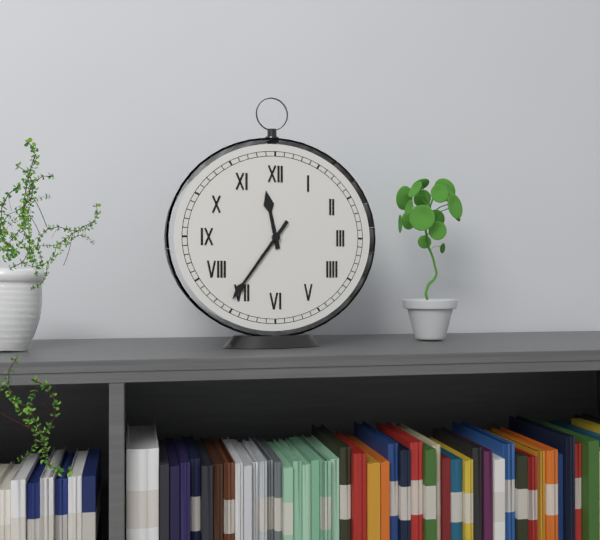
11:36
